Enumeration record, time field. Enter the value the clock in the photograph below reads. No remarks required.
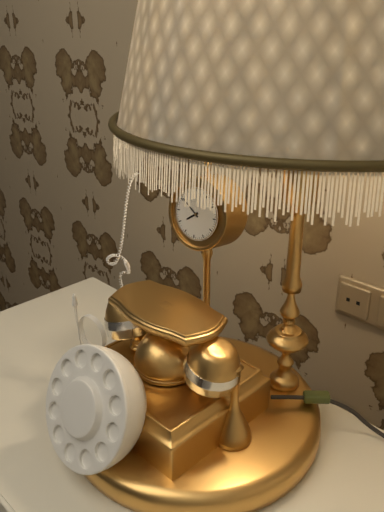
7:51
